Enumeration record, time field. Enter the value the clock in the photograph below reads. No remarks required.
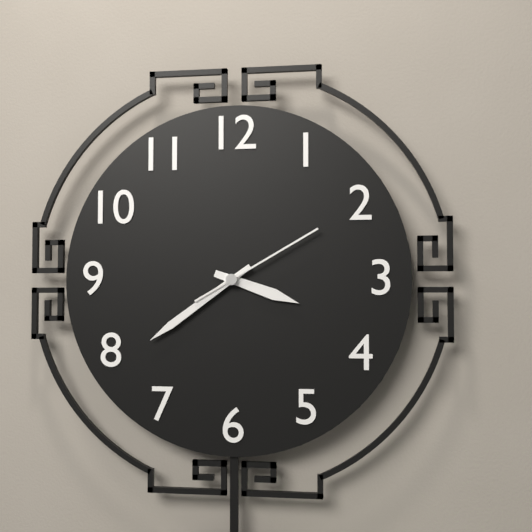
3:39:10
